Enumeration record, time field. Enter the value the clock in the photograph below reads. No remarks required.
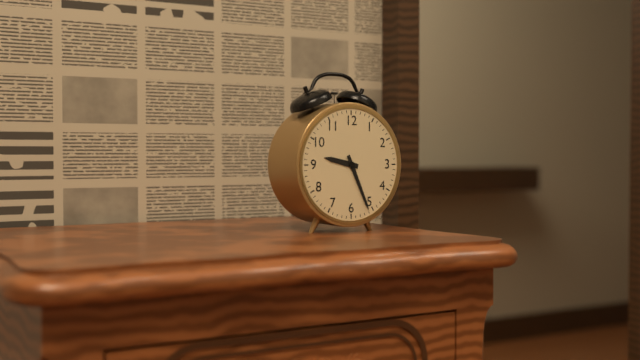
9:26
